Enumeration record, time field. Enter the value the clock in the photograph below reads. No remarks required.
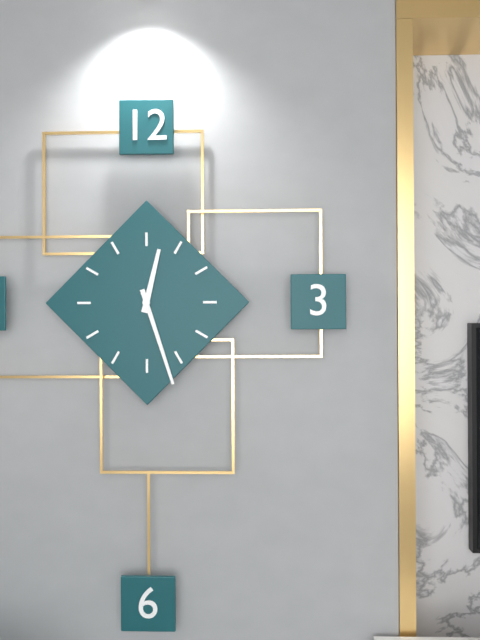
12:27
